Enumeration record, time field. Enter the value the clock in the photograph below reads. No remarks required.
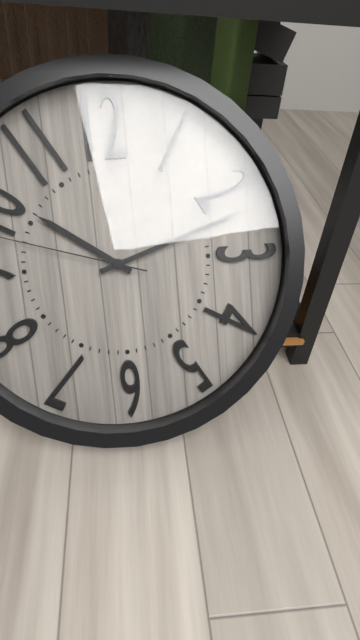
10:12
